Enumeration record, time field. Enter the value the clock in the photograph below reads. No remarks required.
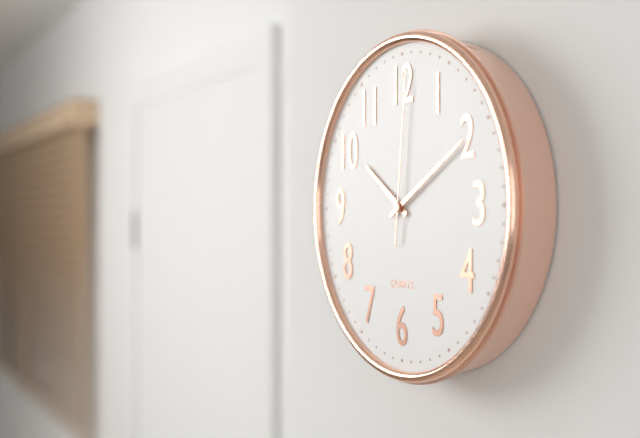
10:10:01
